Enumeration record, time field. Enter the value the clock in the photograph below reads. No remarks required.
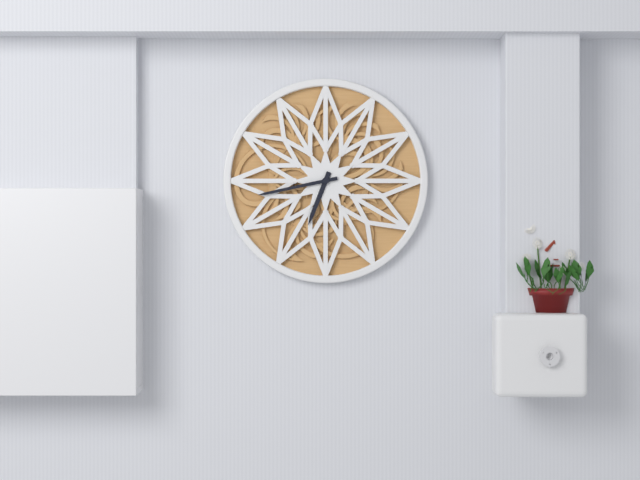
6:43
